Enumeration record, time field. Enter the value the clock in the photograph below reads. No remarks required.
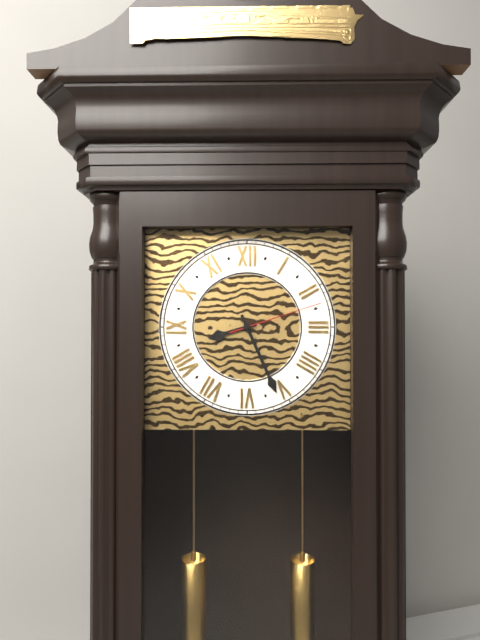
8:26:12
